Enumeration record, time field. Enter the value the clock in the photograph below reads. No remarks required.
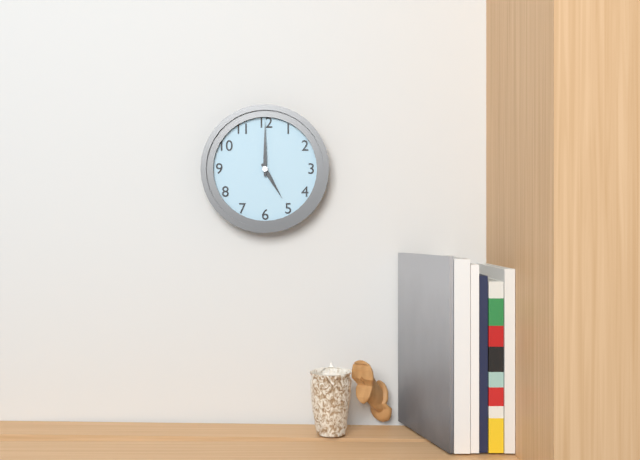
5:00
